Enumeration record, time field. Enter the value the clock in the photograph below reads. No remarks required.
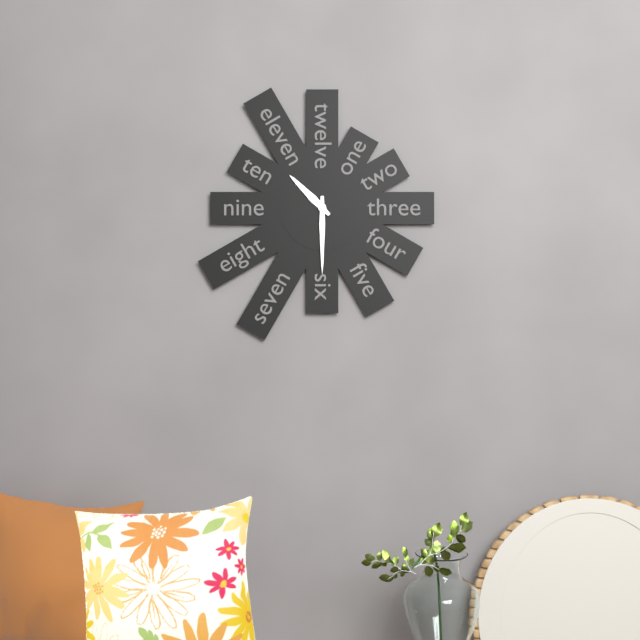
10:30
